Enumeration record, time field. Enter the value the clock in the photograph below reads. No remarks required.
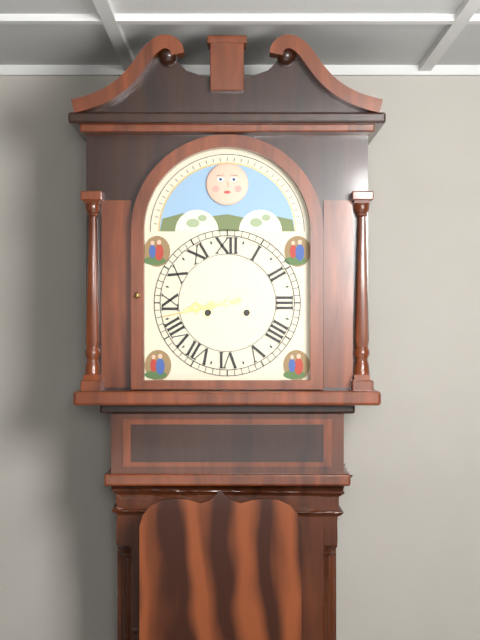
8:43
